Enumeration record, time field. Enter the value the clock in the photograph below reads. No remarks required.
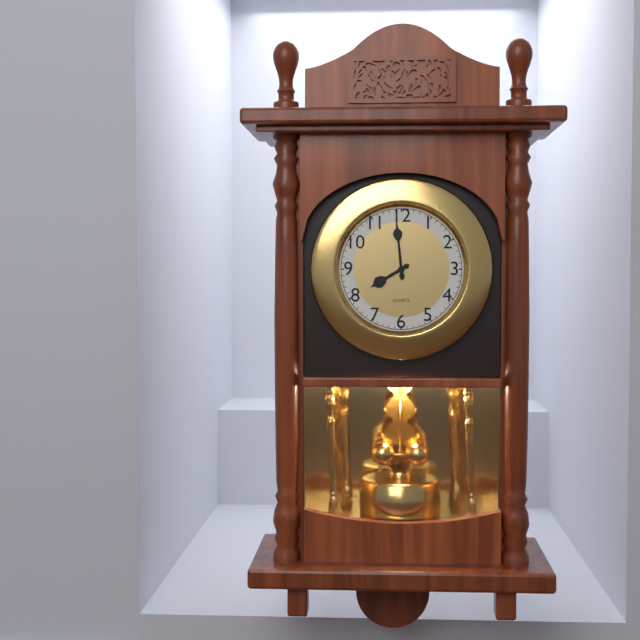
7:59
